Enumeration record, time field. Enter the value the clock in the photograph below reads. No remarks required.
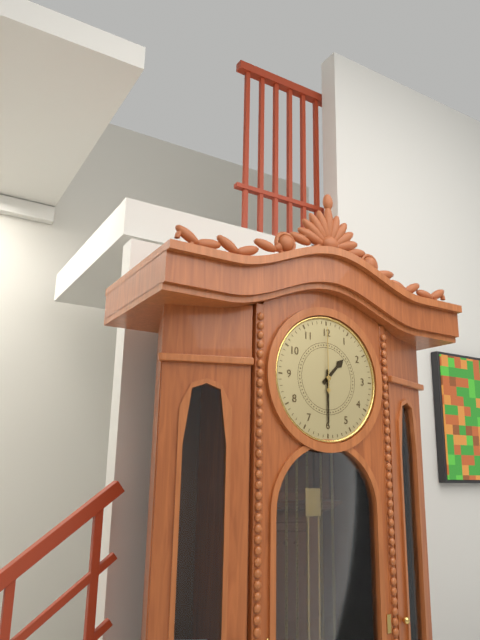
1:30:00
